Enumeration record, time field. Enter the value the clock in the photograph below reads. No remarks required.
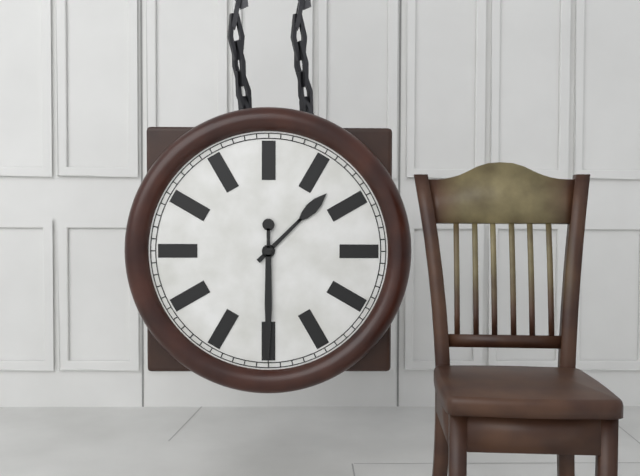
1:30
